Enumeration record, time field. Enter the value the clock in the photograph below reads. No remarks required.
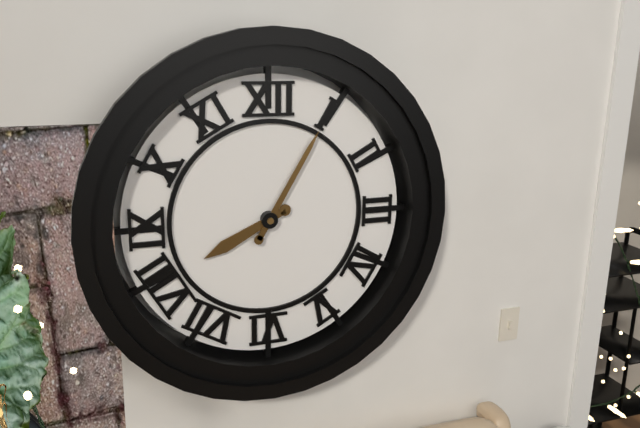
8:05
